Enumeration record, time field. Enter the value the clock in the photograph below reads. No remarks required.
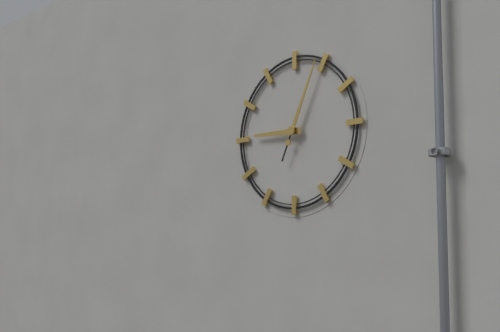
9:04
